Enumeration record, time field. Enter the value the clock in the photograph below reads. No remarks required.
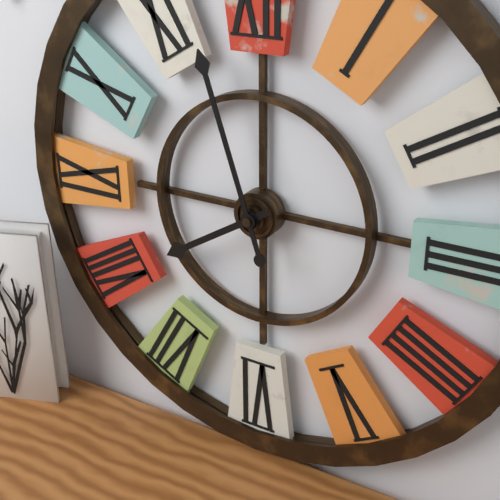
7:57
